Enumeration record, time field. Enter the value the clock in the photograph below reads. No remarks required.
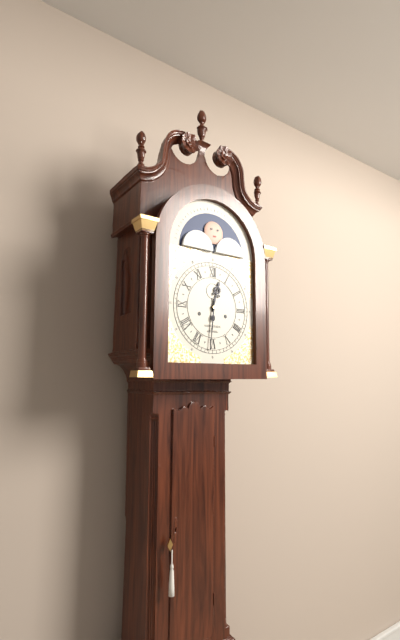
12:31
